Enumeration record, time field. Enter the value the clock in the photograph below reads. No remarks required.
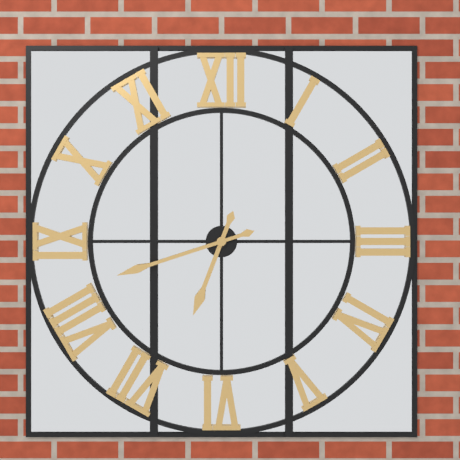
6:42
